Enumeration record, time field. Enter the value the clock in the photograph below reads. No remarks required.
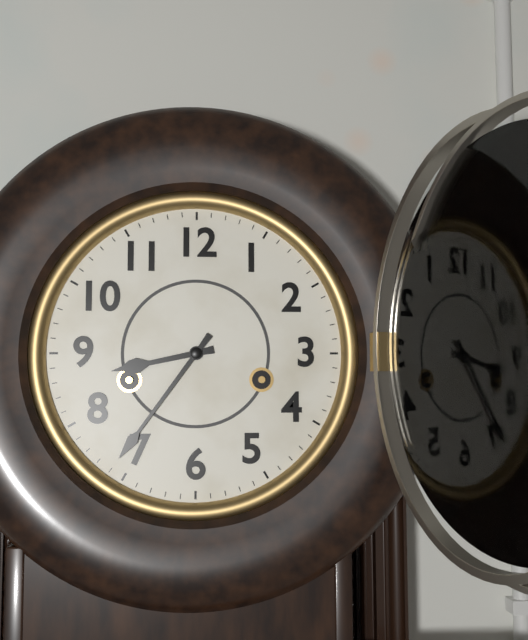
8:36
